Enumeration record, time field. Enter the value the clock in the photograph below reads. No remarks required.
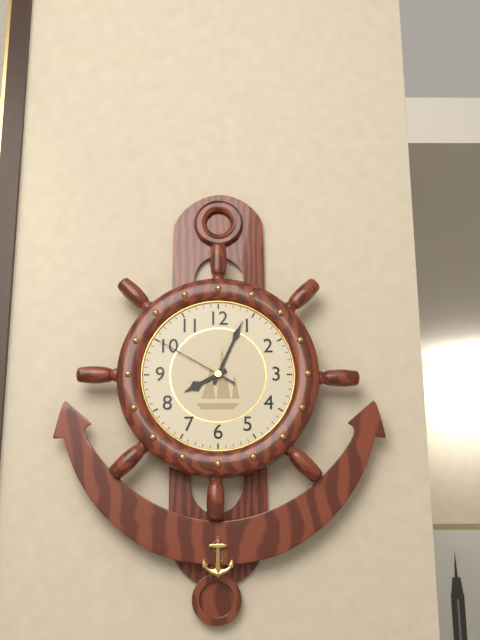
8:04:50
